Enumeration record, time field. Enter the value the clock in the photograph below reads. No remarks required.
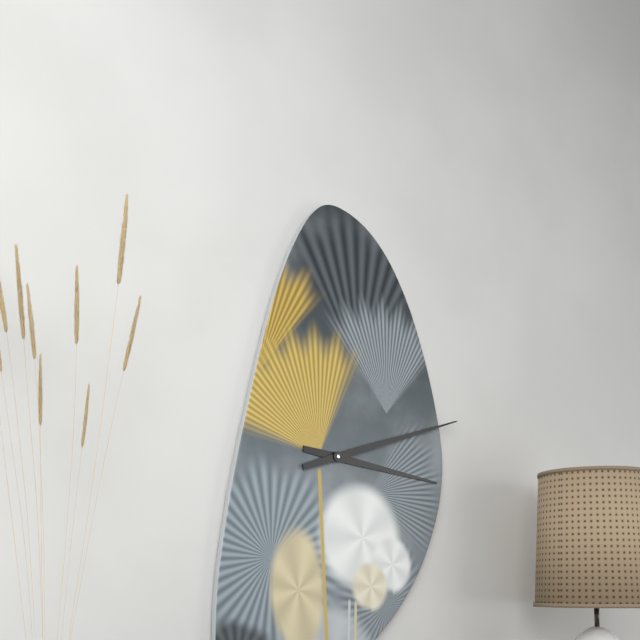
3:12
